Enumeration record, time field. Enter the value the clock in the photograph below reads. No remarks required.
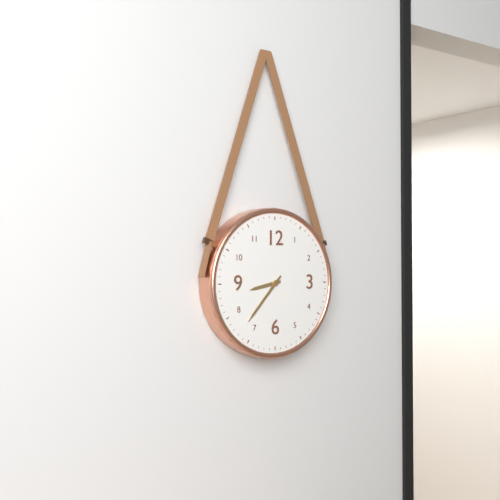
8:37
